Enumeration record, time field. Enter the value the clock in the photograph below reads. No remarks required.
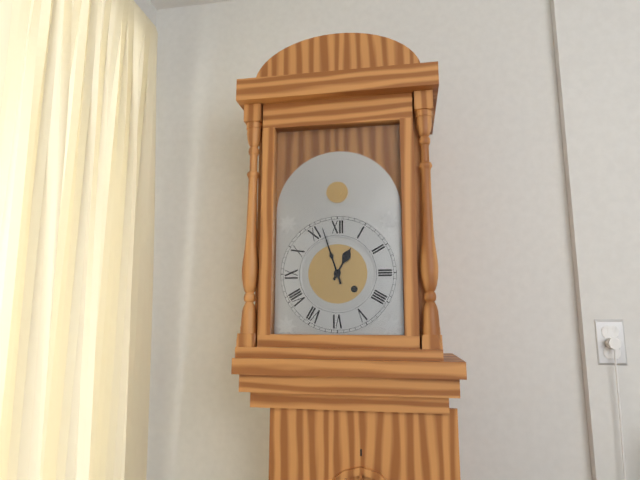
12:57
